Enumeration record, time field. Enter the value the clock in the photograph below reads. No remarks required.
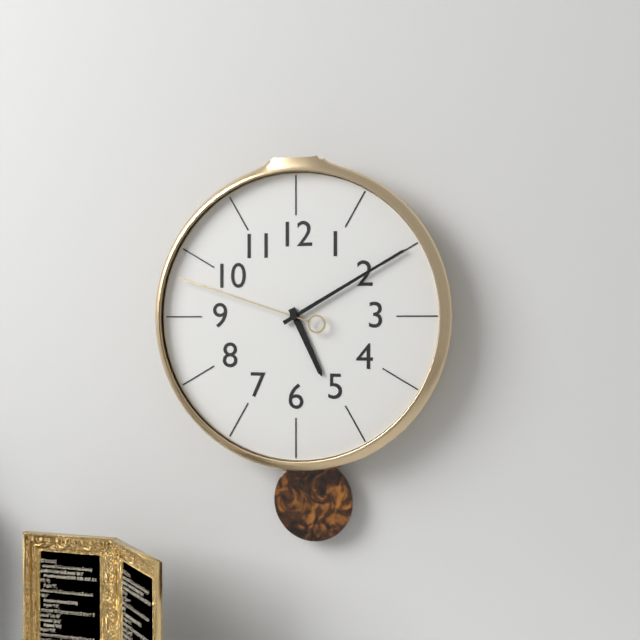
5:10:48
